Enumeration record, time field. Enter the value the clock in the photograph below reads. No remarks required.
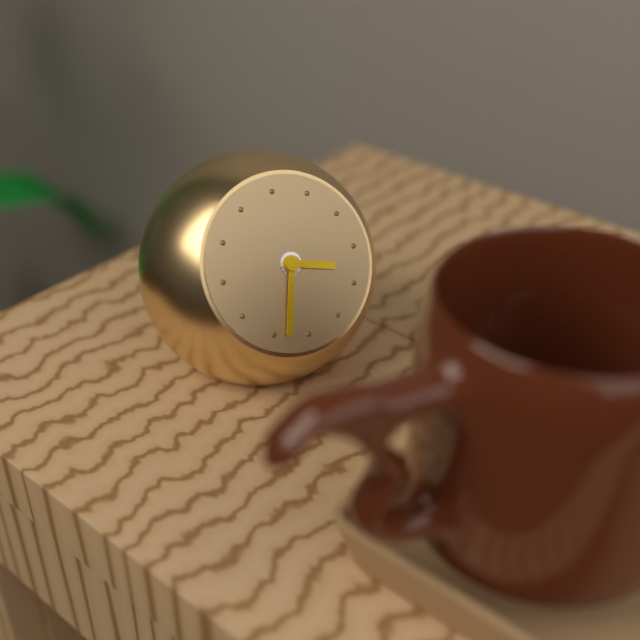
3:33
